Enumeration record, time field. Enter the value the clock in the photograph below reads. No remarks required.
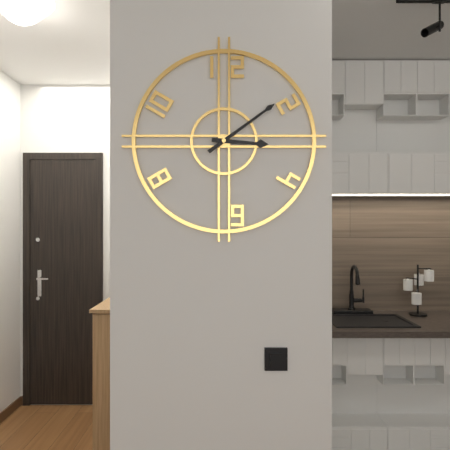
3:09
